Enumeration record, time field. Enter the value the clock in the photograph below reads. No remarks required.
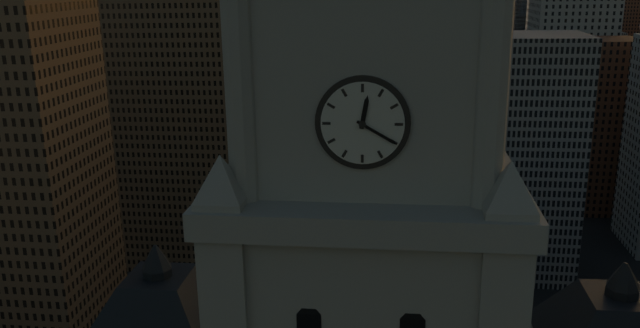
12:20
